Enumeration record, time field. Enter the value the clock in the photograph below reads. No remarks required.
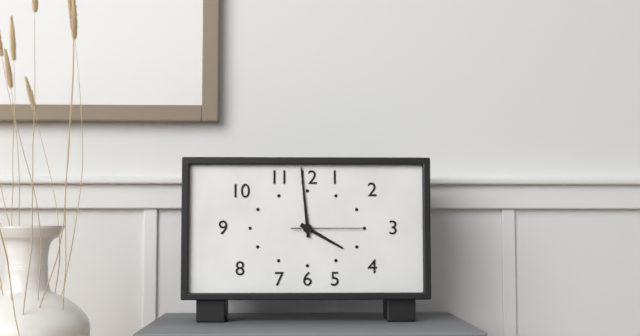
3:59:15
